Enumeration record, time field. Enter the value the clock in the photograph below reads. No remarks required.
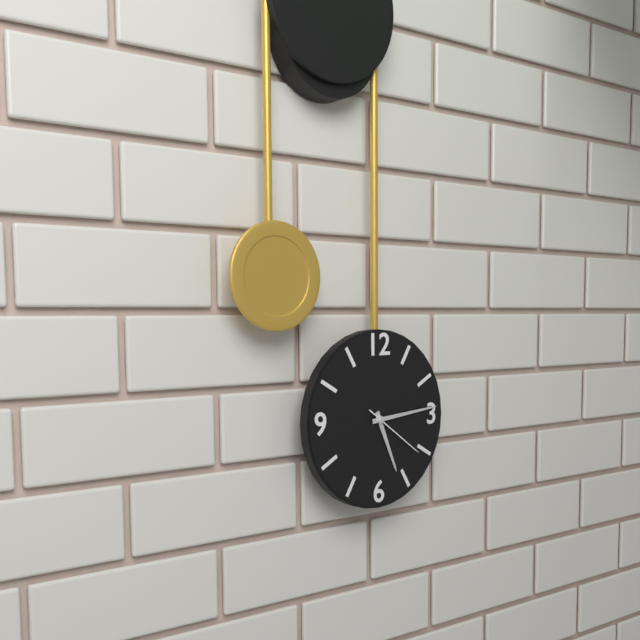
5:14:21
